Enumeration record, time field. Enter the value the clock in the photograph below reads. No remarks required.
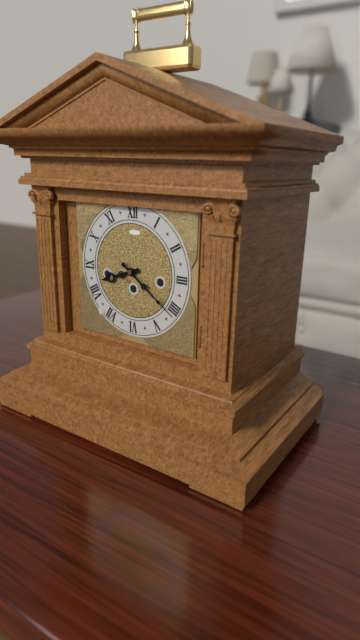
8:21
